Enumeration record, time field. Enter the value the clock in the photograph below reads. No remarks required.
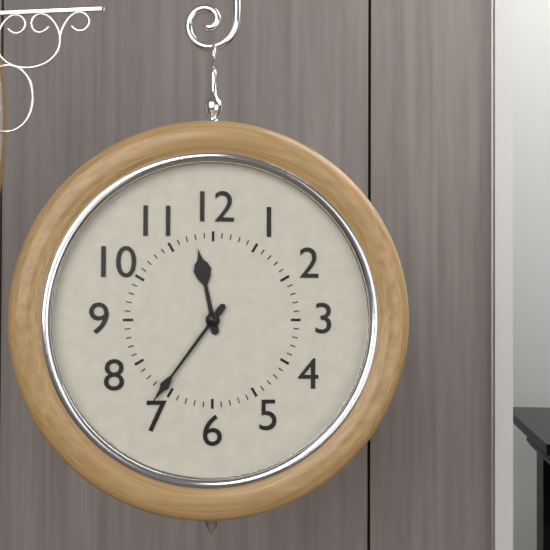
11:36
